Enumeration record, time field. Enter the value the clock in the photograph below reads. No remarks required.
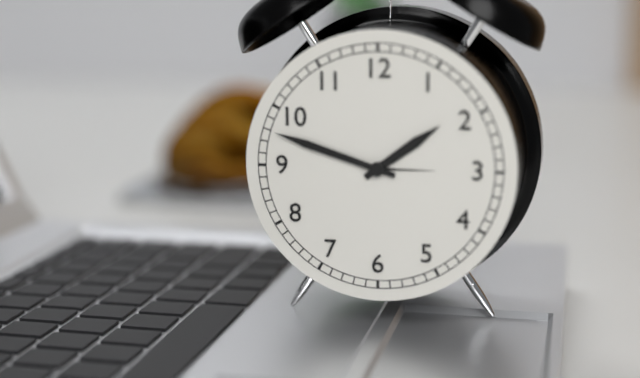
1:48
